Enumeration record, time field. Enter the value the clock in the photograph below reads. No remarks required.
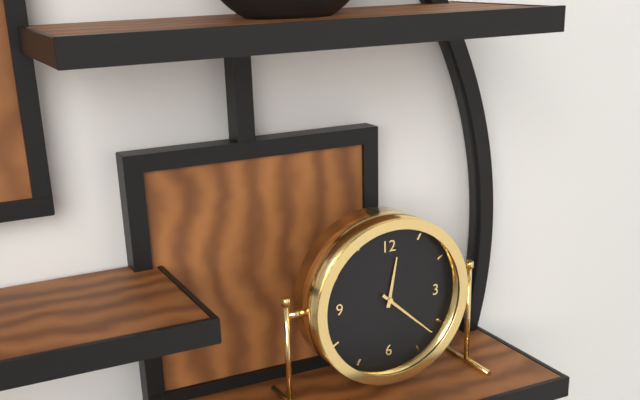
12:22
